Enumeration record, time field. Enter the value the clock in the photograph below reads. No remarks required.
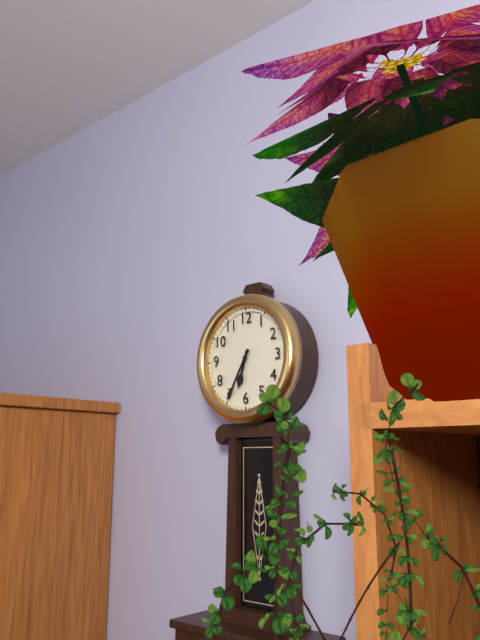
6:35
